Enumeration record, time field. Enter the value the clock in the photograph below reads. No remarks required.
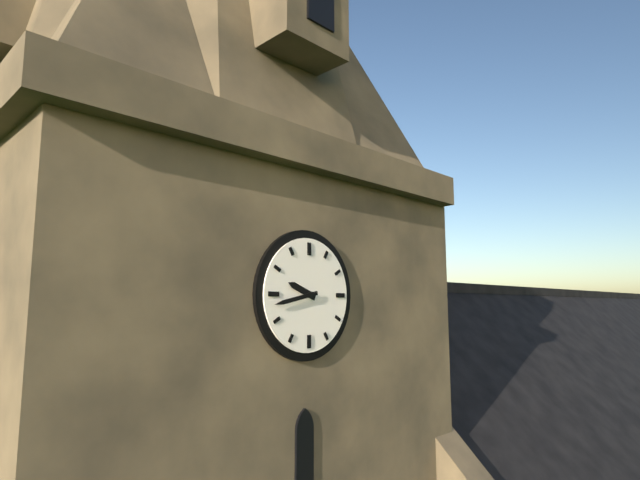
9:43
